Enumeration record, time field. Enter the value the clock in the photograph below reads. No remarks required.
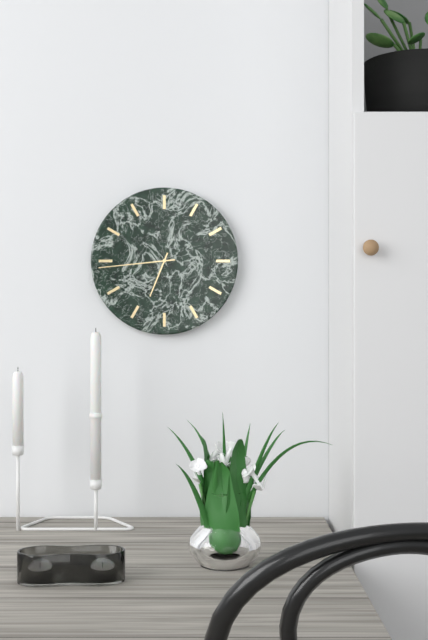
6:44
